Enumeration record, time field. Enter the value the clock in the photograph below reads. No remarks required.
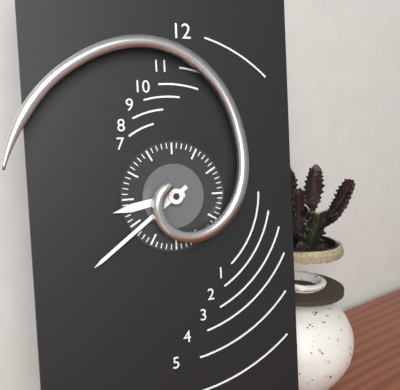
8:39
